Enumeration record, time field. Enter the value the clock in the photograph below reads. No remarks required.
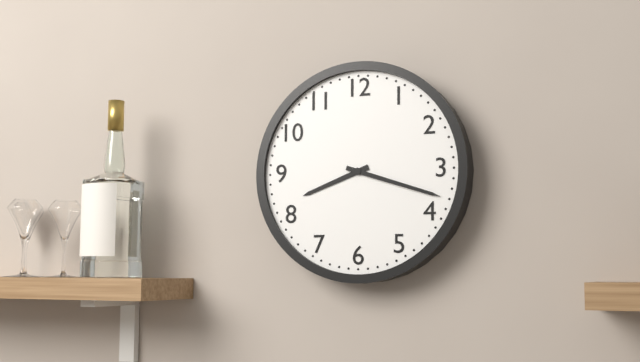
8:18
